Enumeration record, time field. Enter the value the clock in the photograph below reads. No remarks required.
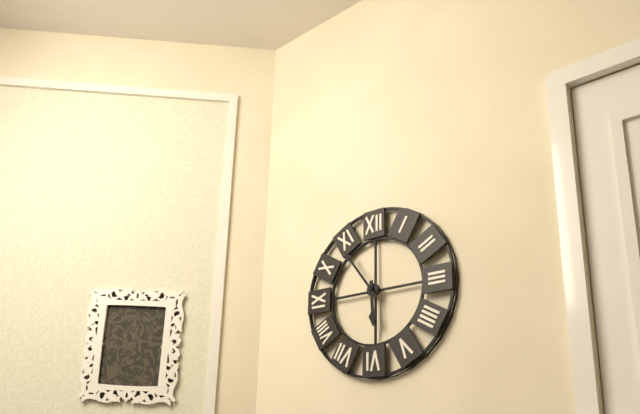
5:54
